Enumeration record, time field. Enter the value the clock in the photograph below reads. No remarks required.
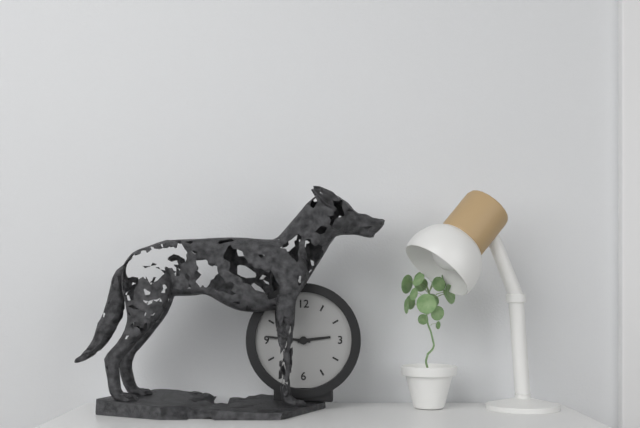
2:46
